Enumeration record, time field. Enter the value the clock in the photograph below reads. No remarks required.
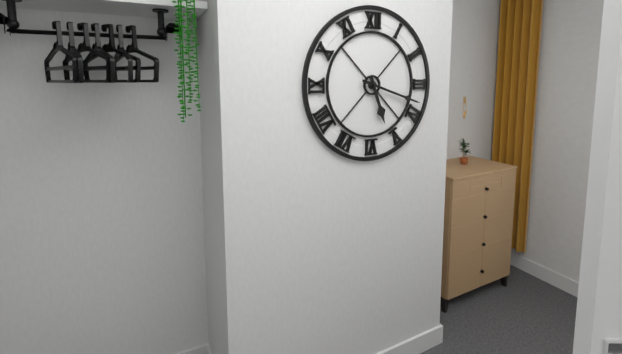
5:18
